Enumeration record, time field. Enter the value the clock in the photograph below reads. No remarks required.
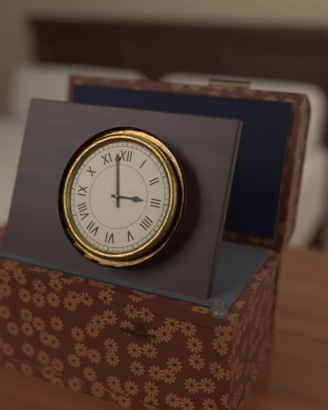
2:58
